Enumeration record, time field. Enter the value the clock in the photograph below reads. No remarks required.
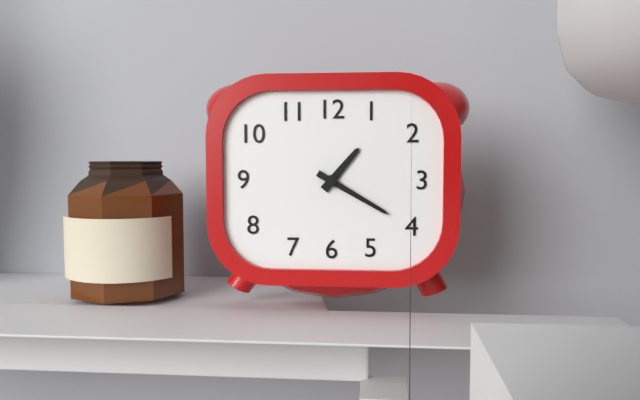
1:20
